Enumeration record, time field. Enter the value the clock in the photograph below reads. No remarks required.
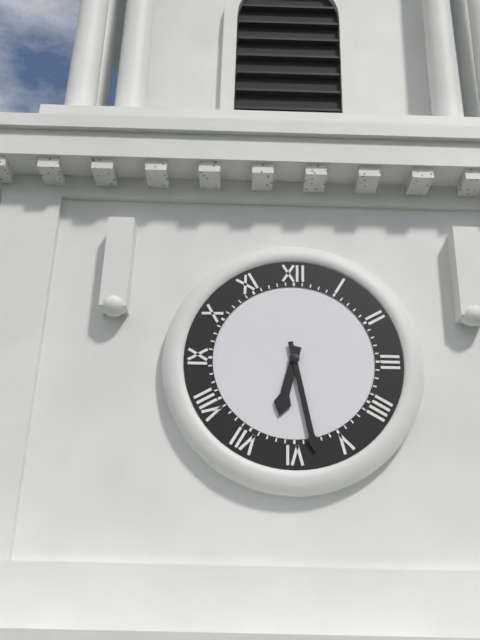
6:28
